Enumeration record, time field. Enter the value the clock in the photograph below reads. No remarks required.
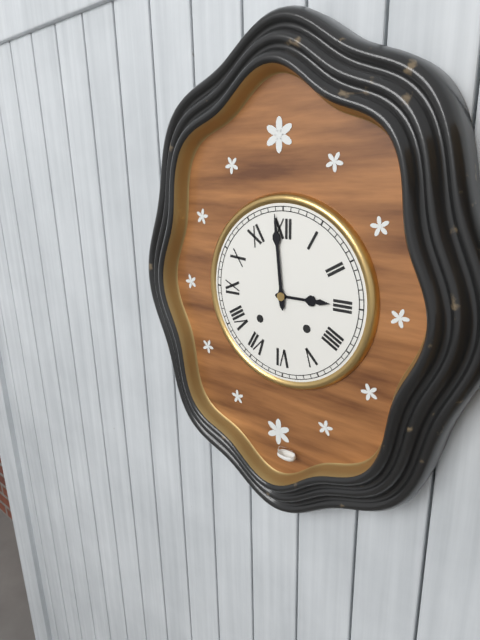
2:59
